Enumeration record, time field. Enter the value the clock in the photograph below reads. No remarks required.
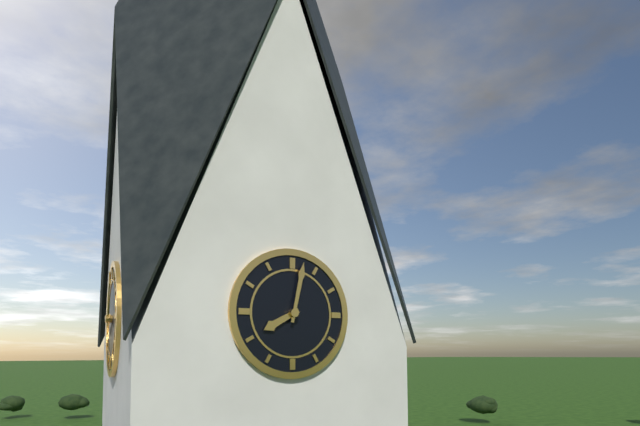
8:02
